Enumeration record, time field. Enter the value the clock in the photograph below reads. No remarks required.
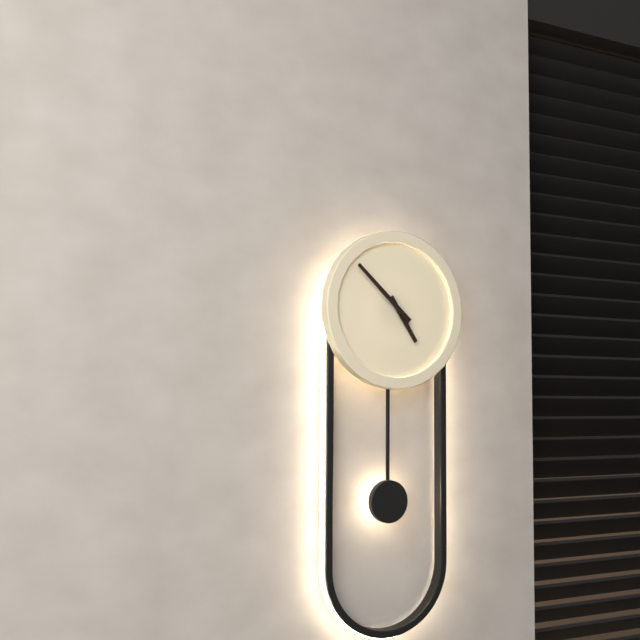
4:52
